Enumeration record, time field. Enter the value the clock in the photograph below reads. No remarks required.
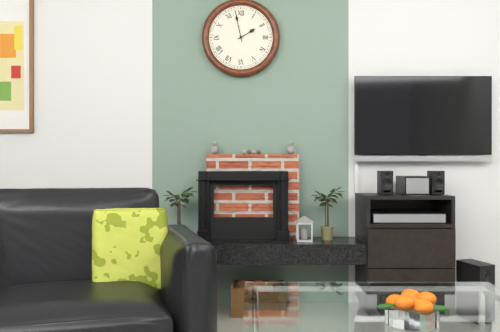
1:58
